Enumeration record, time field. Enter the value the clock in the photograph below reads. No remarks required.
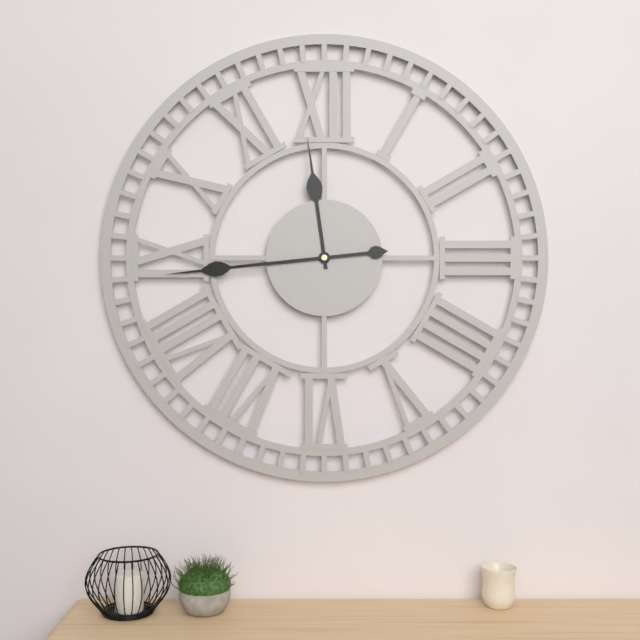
11:44
